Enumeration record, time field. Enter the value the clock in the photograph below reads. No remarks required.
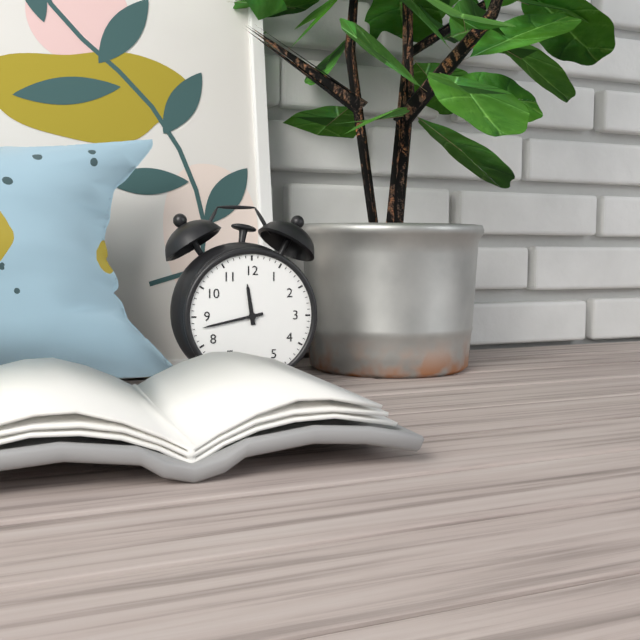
11:43
